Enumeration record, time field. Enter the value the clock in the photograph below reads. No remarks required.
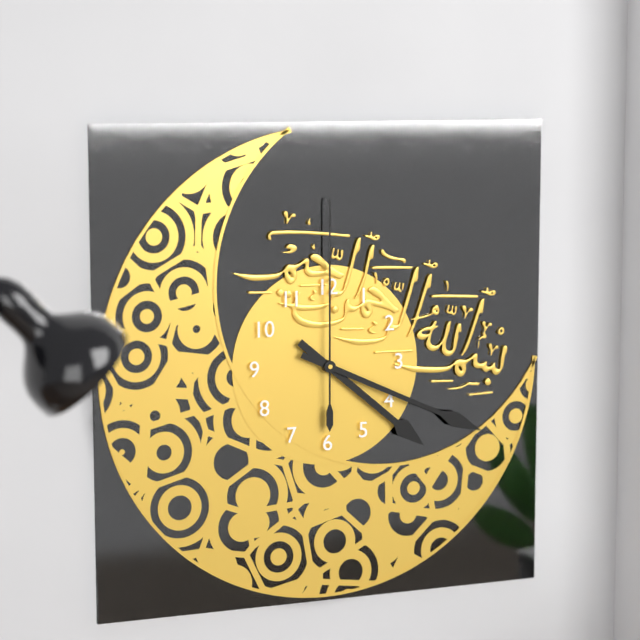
4:19:00
